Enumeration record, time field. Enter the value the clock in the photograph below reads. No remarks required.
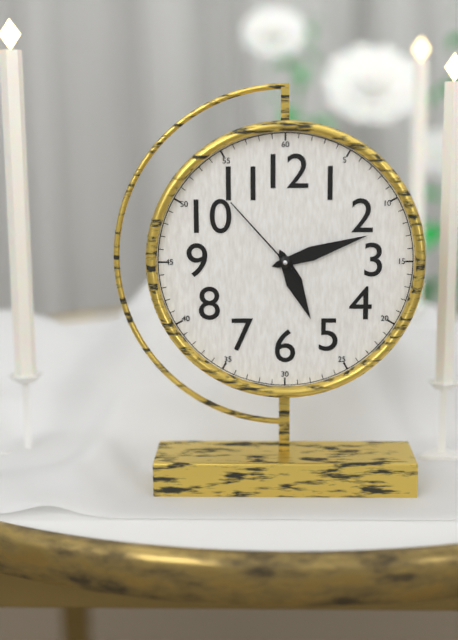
5:12:53
